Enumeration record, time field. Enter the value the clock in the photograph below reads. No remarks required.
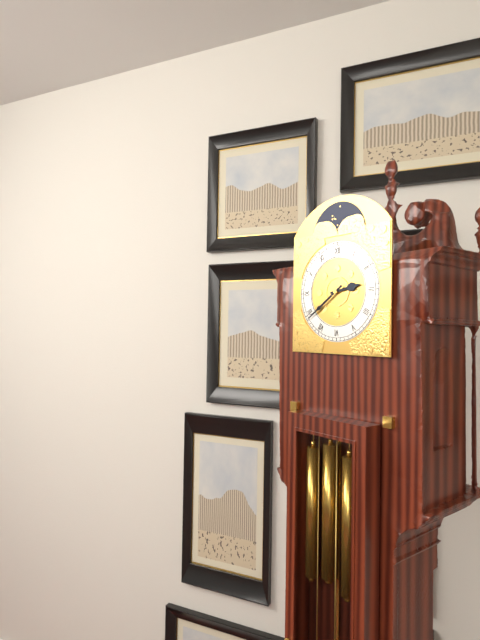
2:39
